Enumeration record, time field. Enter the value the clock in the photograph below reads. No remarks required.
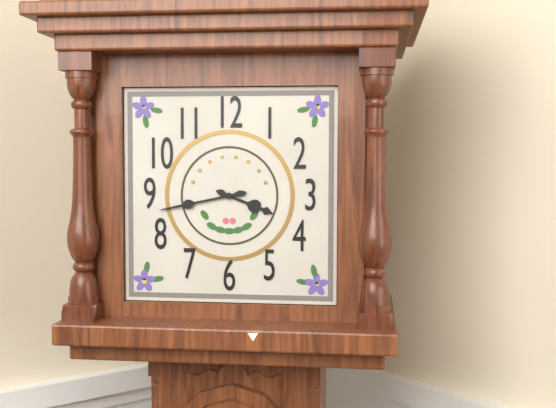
3:43
